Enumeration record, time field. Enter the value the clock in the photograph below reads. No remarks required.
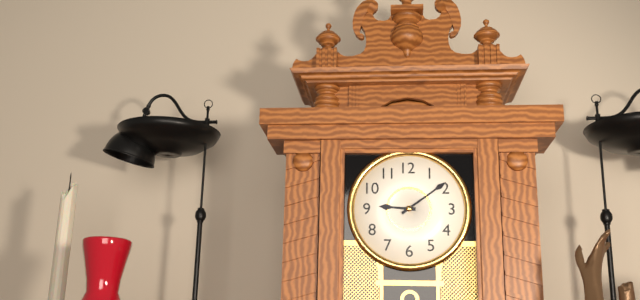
9:09
